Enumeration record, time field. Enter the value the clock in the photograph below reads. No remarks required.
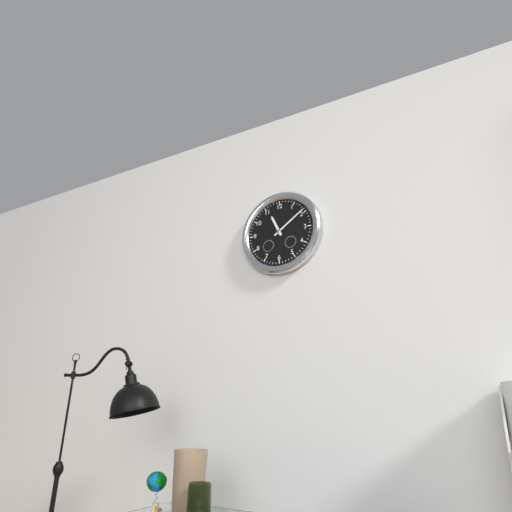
11:09
